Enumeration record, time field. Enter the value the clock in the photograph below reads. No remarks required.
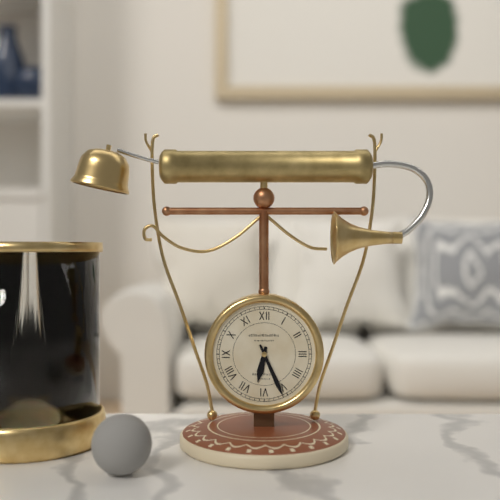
6:26
